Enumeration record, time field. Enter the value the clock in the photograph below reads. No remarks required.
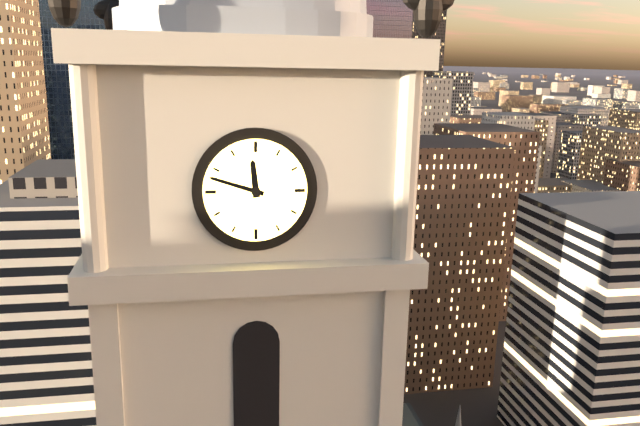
11:48
